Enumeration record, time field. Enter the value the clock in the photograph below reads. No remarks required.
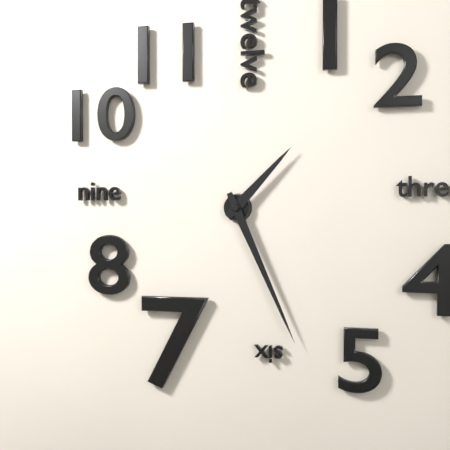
1:26
